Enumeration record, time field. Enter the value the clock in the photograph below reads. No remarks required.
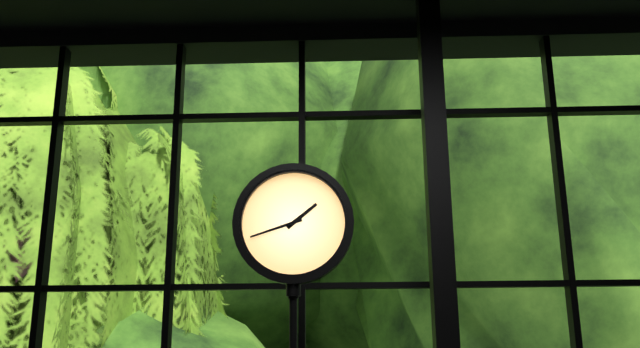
1:42
